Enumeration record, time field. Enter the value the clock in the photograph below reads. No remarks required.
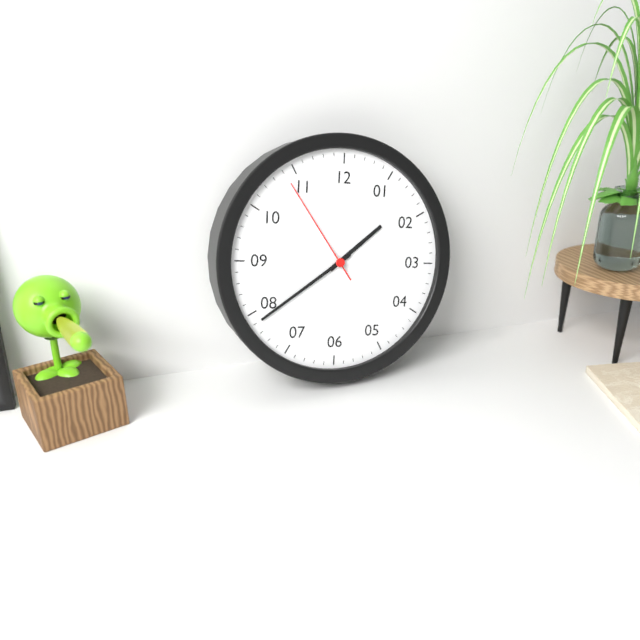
1:39:54
